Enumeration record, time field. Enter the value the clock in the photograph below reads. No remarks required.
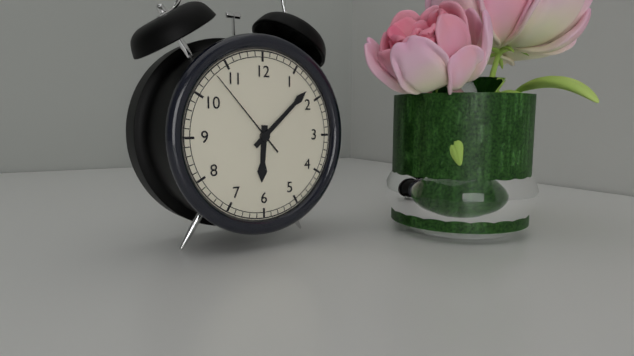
6:08:53
